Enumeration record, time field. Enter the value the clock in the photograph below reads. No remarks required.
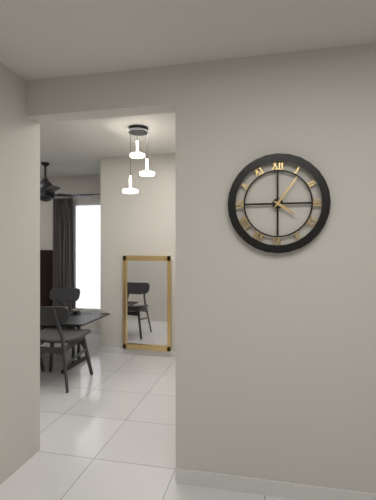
4:06
